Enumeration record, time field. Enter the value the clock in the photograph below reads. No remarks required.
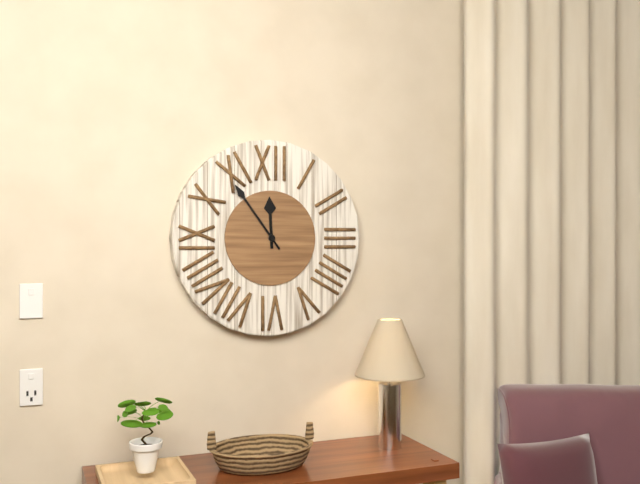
11:54
